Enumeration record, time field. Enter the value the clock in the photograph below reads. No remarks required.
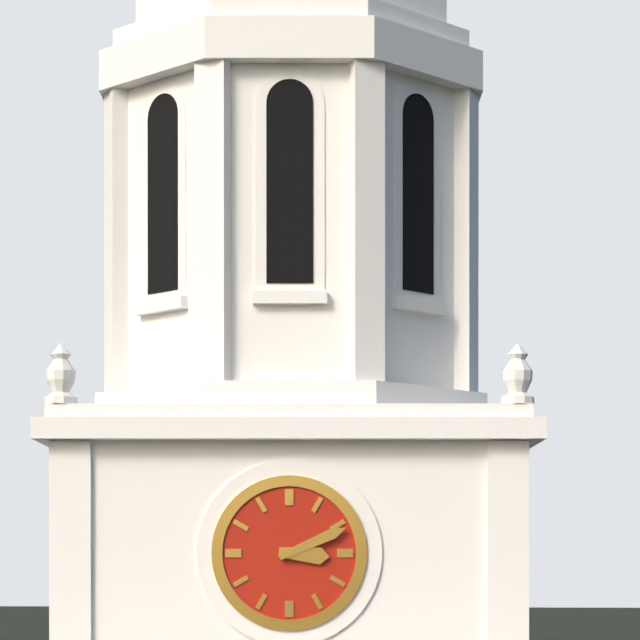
3:11
